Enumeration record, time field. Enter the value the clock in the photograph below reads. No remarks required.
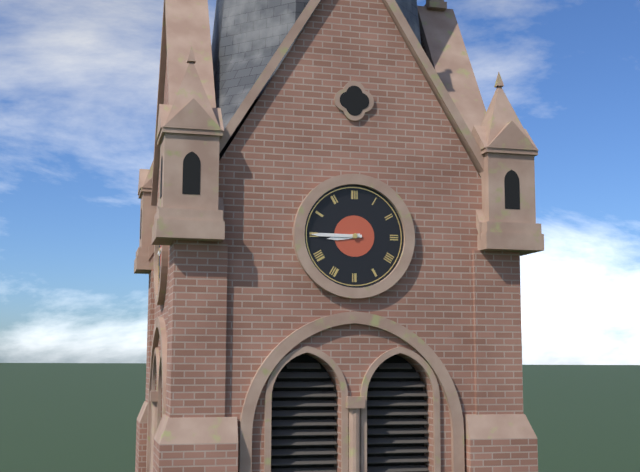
8:45
